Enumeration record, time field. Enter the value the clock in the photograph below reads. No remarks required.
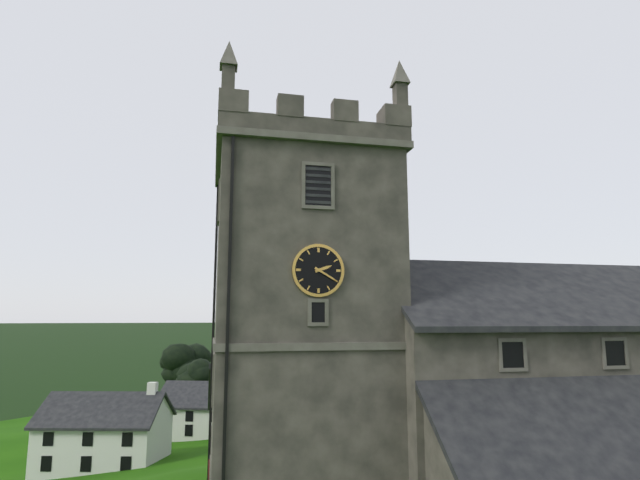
2:20
